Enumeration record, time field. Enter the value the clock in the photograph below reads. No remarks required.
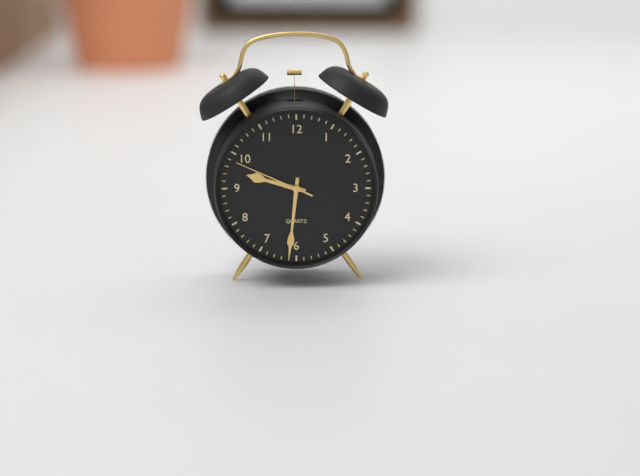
9:31:49
